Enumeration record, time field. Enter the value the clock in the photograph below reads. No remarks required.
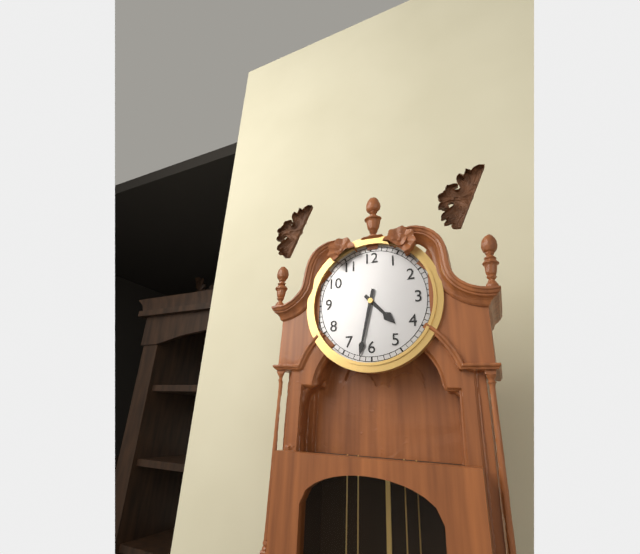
4:32
